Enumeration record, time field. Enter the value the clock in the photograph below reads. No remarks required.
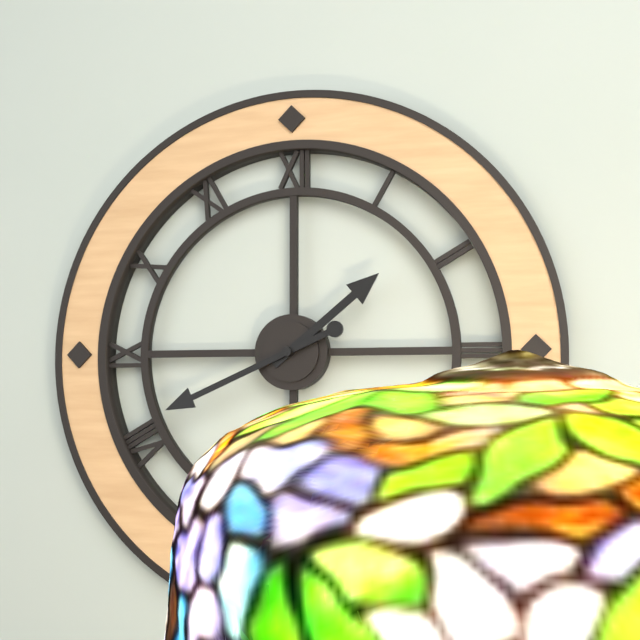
1:41
